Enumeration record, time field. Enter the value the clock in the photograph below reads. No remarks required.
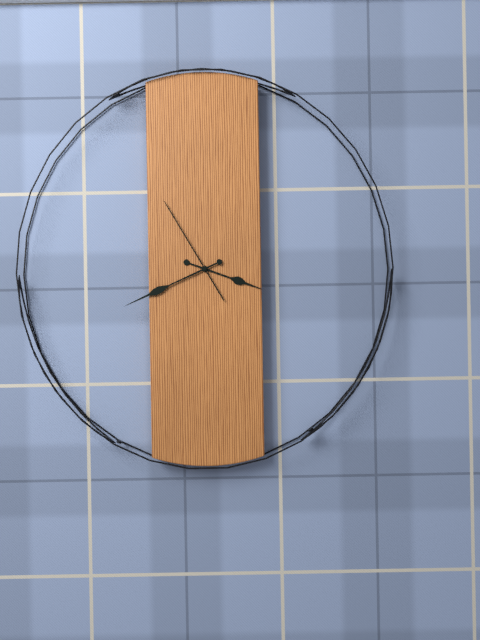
3:41:55
